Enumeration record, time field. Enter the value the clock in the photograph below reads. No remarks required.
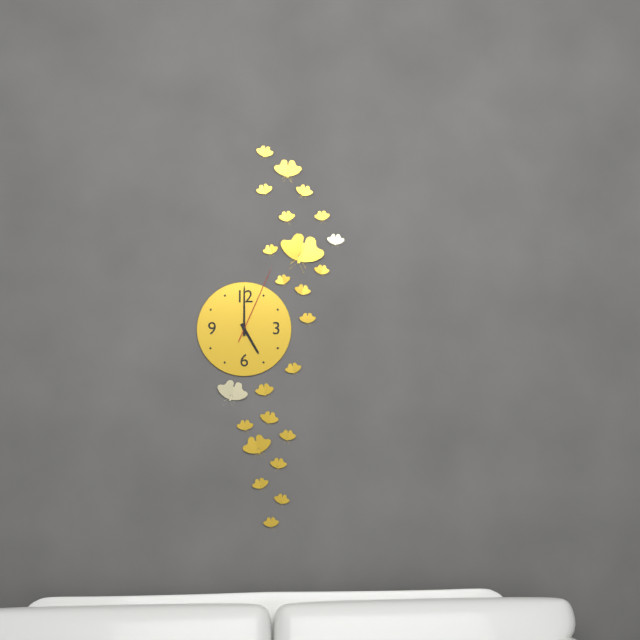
5:00:04
